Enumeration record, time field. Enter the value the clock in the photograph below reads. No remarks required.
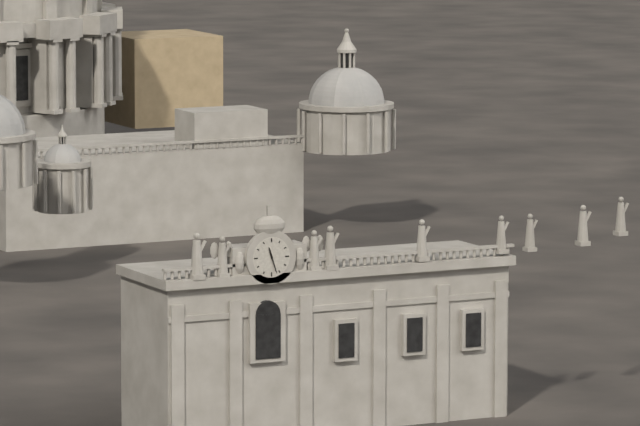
11:27
